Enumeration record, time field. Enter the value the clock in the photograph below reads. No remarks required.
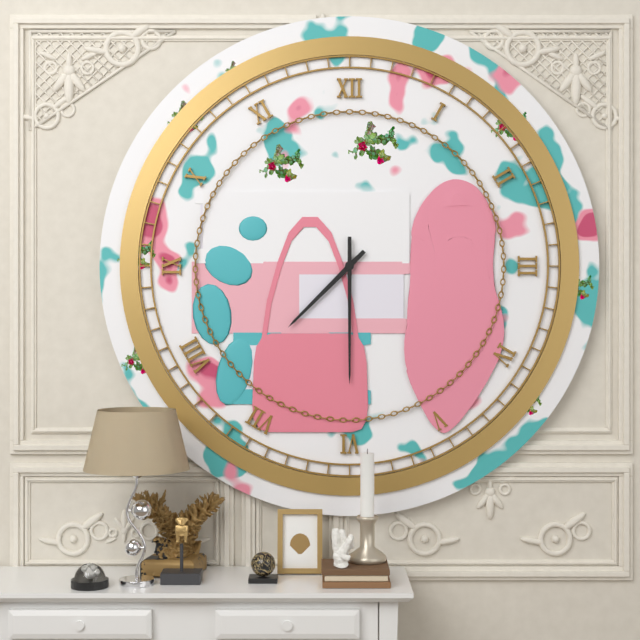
7:30
